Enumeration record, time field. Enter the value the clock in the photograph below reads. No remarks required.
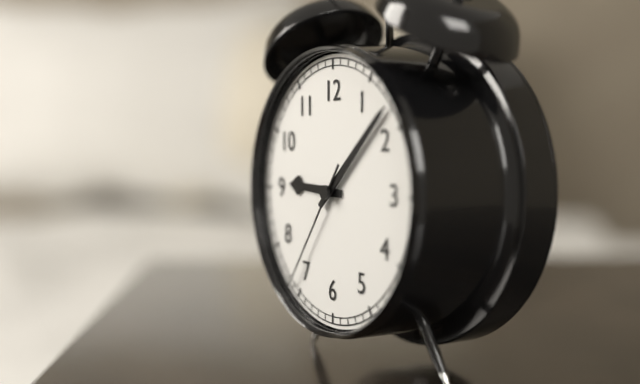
9:08:36
